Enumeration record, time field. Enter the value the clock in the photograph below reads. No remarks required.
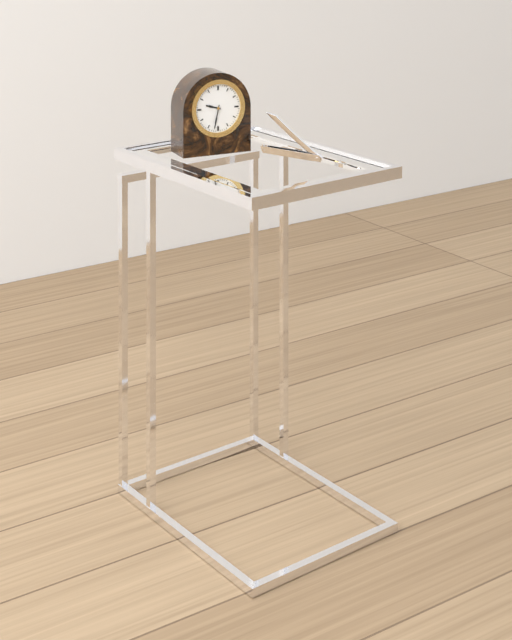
9:32
